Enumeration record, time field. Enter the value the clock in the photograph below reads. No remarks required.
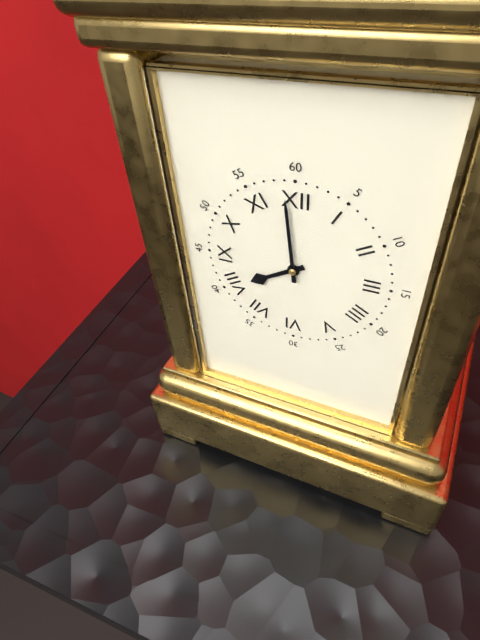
7:59
